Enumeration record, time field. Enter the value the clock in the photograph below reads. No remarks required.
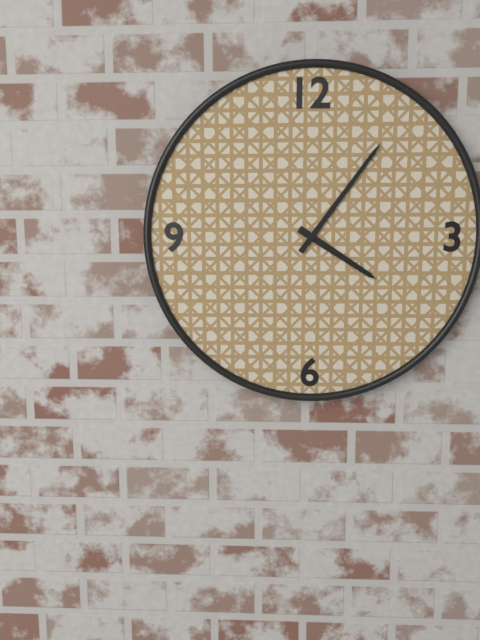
4:06
